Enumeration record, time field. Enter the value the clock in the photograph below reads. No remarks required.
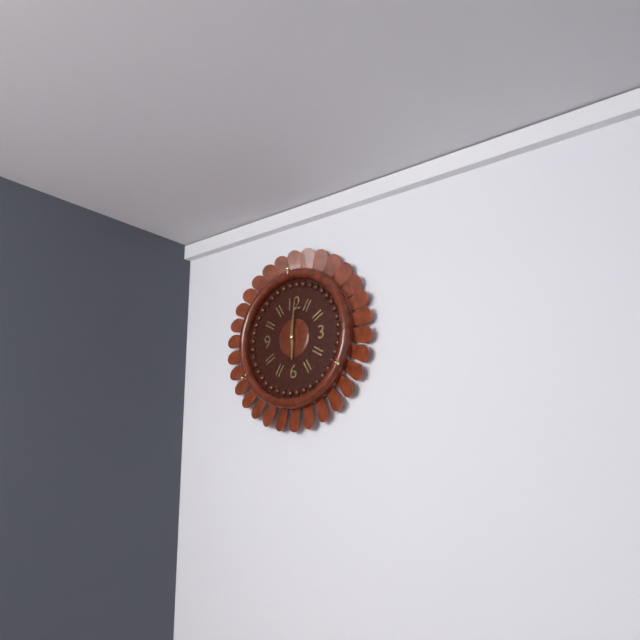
6:01
